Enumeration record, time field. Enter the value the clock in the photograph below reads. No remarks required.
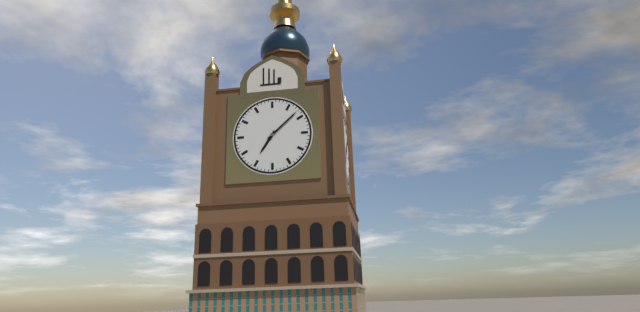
7:08
